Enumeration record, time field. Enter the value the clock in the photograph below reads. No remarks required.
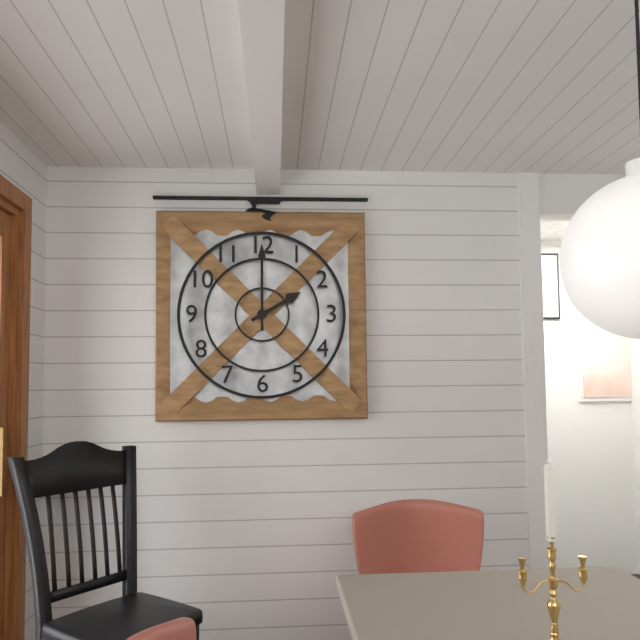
2:00
